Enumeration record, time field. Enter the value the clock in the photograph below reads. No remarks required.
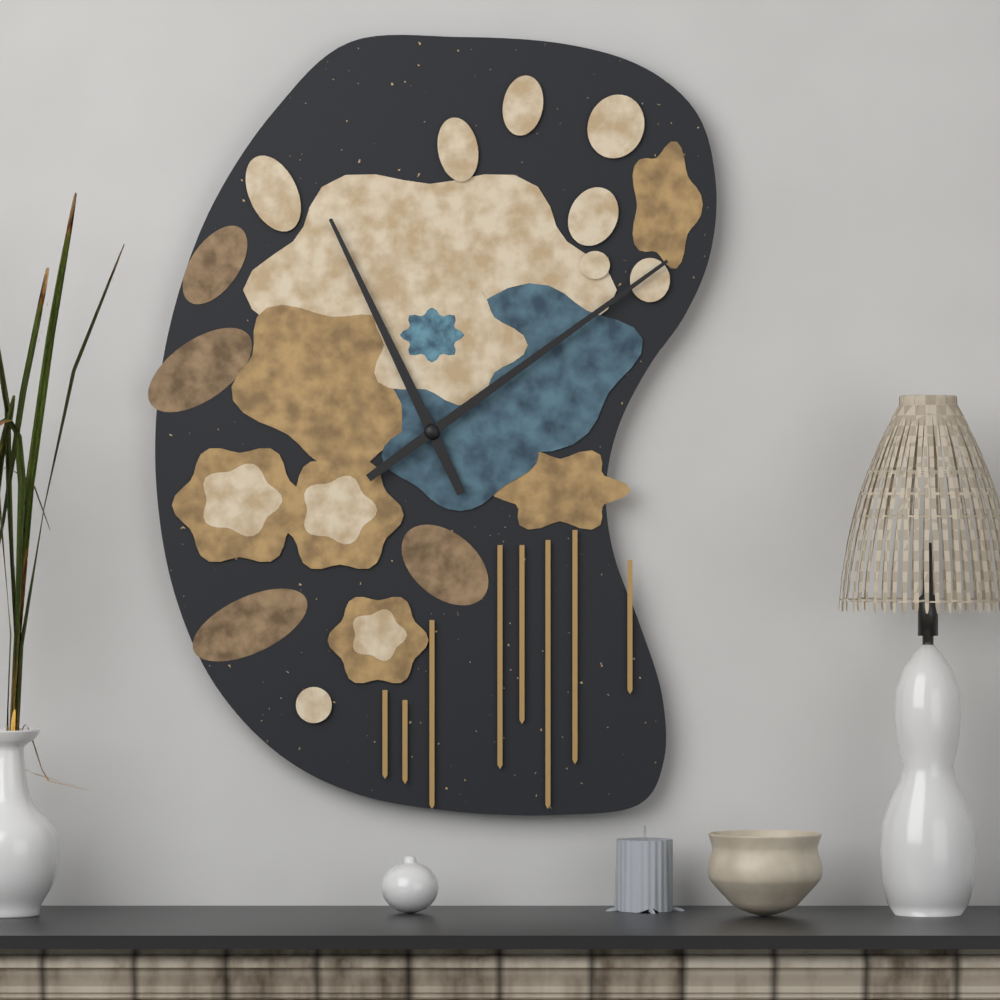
11:09
